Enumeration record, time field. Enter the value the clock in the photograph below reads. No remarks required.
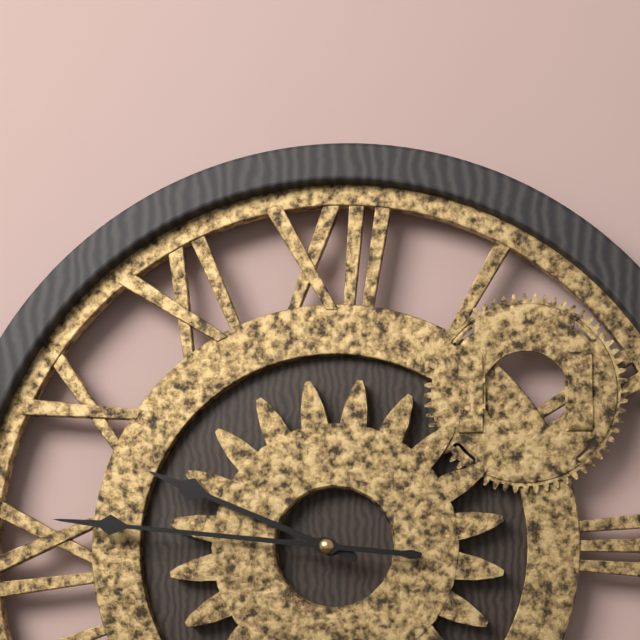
9:46
